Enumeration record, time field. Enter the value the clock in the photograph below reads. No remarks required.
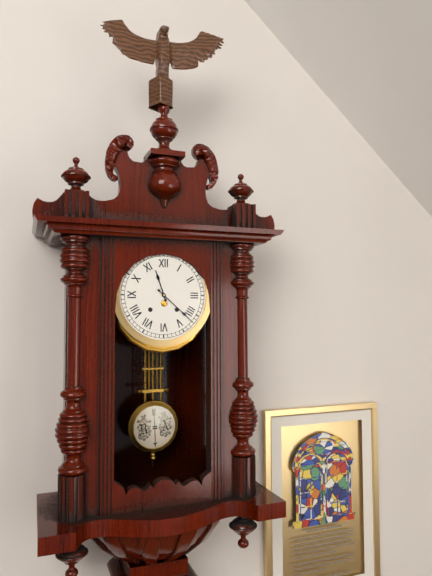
11:22
